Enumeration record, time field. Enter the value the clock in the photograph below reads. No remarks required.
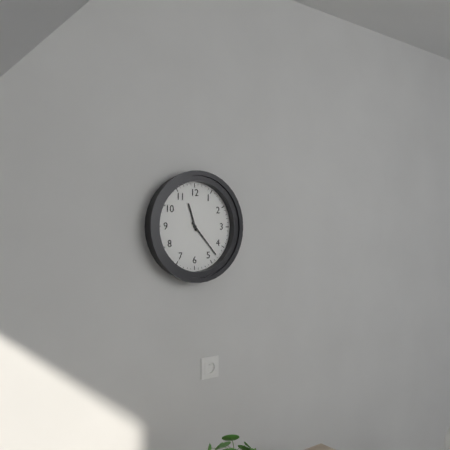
11:23
